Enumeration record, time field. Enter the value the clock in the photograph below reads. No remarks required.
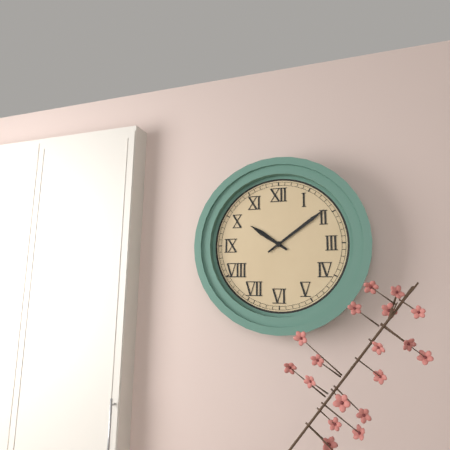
10:09
